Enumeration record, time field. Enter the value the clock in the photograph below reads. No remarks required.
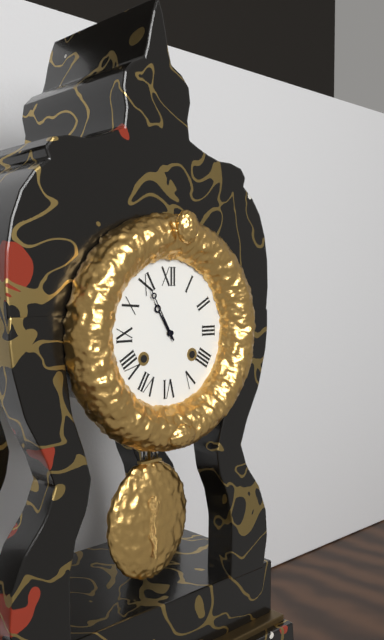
10:55
